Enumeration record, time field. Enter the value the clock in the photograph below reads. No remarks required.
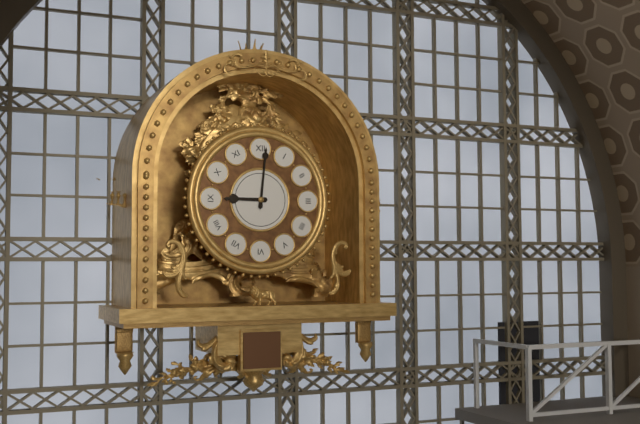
9:01
